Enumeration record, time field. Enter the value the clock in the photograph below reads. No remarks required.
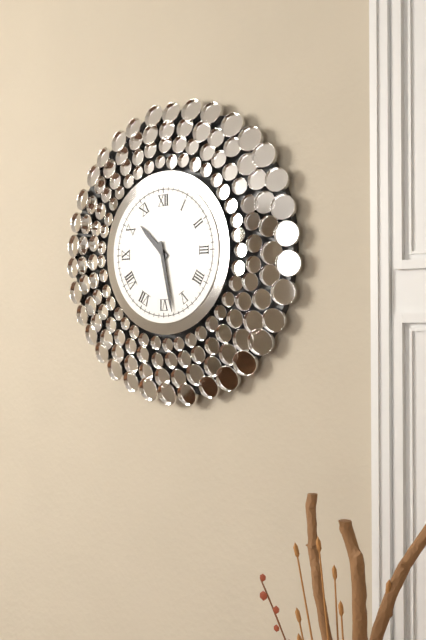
10:28
